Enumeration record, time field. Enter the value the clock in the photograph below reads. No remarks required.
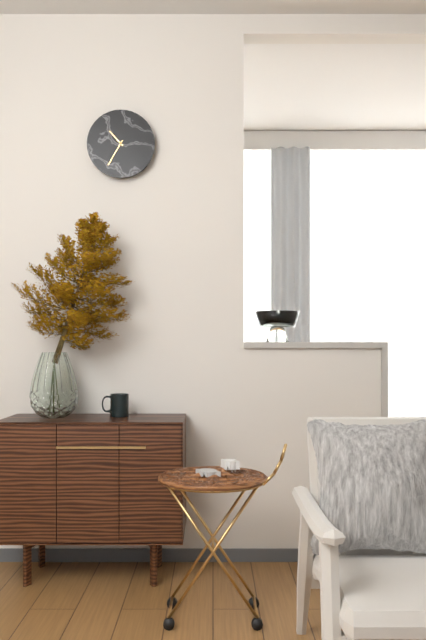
10:35
